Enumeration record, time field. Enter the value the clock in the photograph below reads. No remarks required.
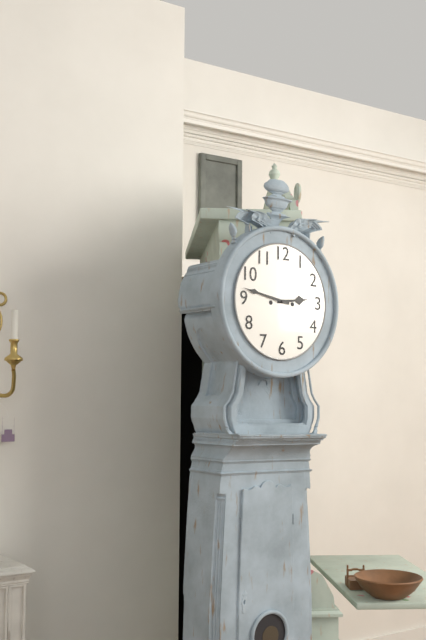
2:47
